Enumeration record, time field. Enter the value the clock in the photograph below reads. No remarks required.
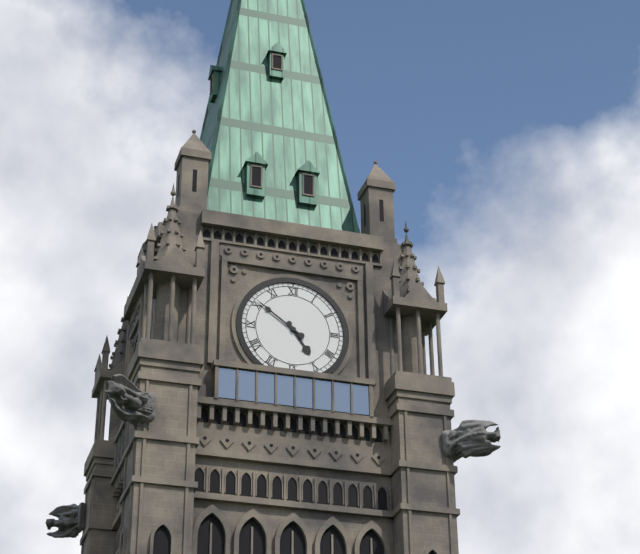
4:51
